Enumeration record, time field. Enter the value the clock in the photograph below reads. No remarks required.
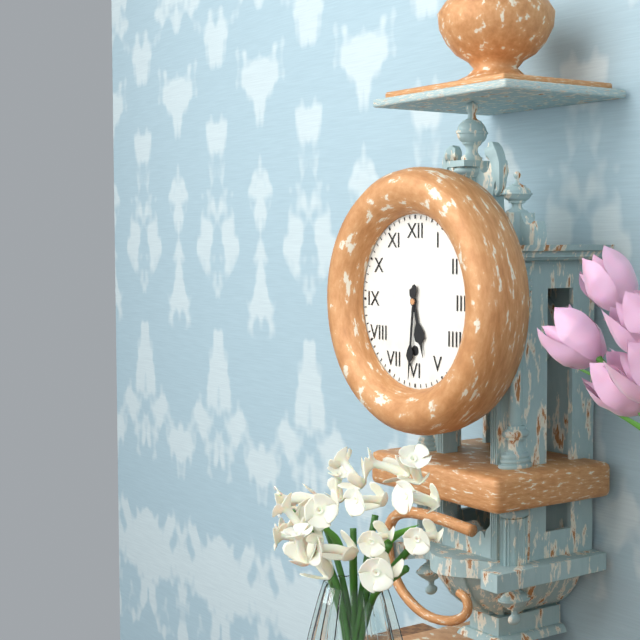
5:31
